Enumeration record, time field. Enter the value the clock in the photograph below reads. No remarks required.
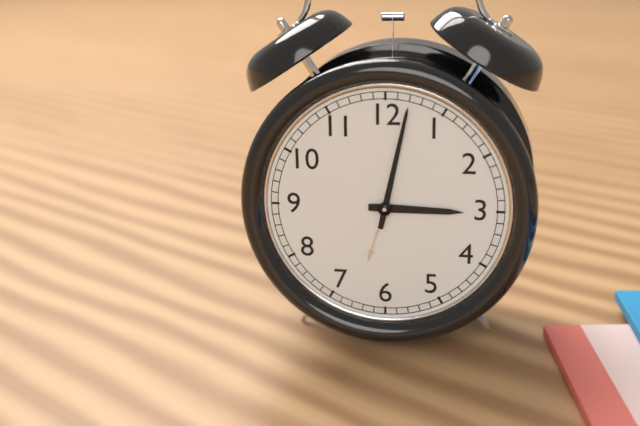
3:02
